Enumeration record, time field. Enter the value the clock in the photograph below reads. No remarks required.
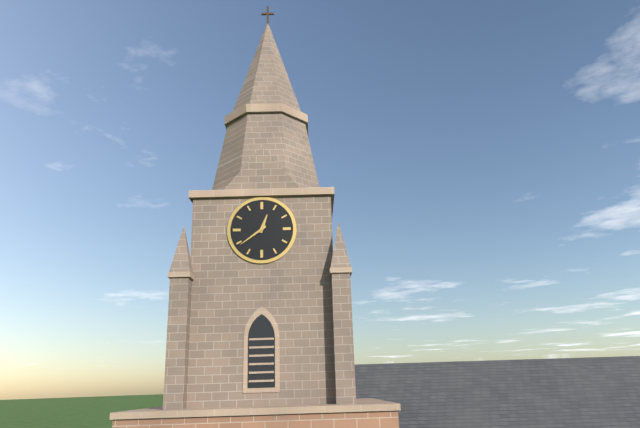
12:39
